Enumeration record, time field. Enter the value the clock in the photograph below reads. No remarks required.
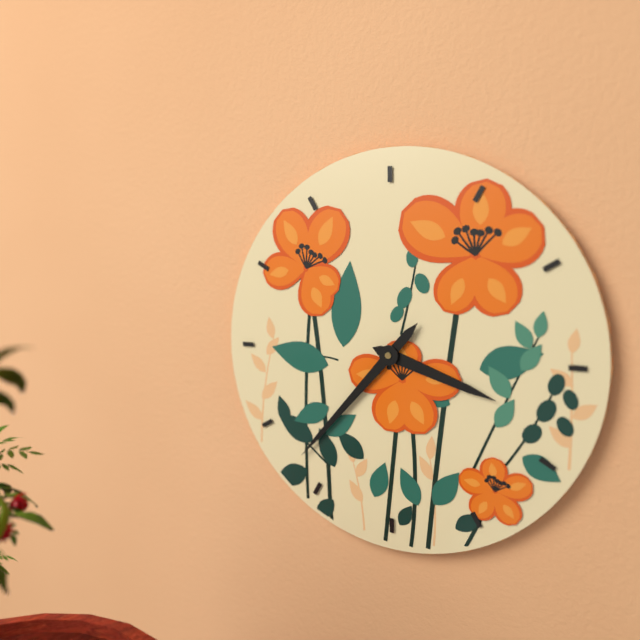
3:37
